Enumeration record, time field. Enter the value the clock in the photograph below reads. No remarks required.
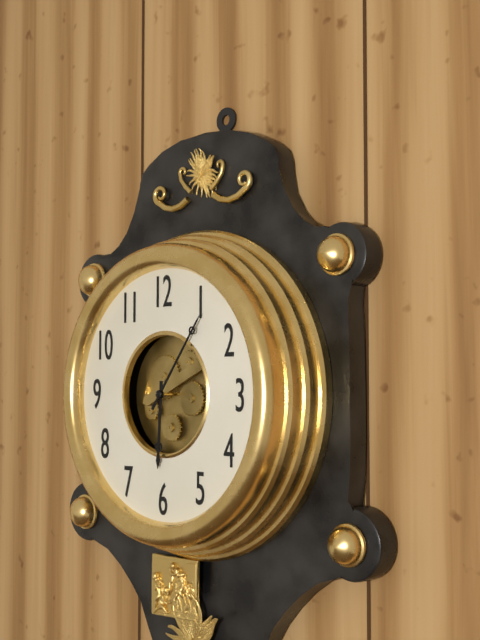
6:06
